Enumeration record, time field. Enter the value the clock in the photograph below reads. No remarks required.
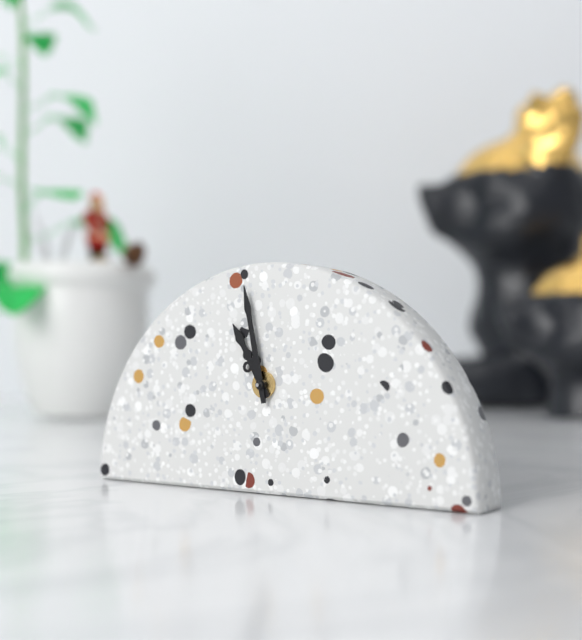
10:58
